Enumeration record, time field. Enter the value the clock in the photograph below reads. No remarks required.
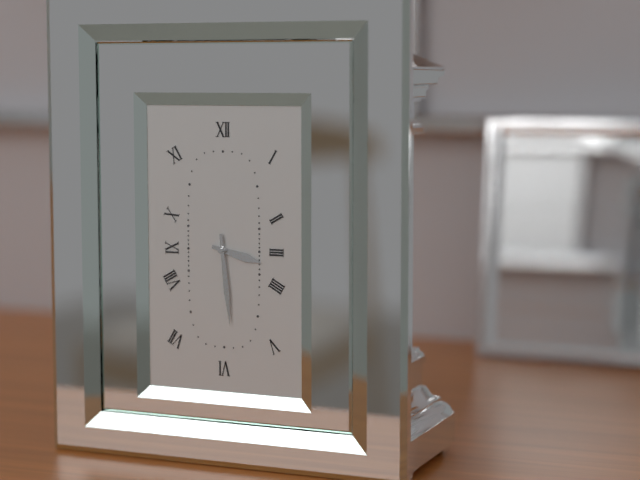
3:29
